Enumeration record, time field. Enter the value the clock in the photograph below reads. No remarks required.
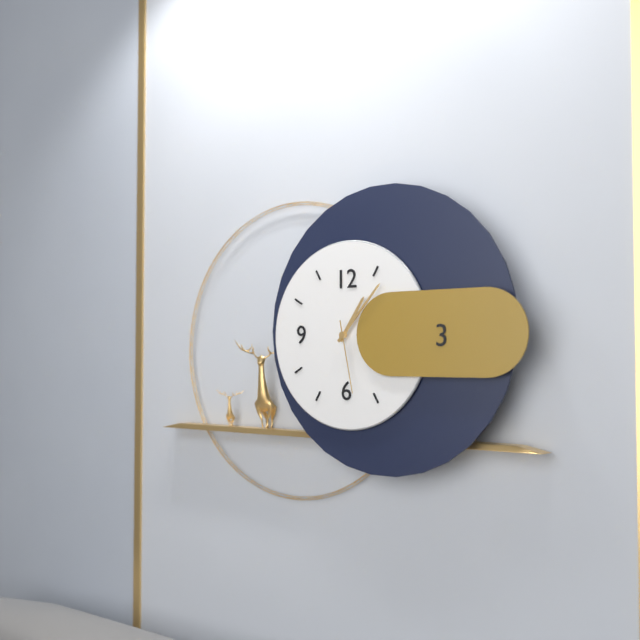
1:07:28
